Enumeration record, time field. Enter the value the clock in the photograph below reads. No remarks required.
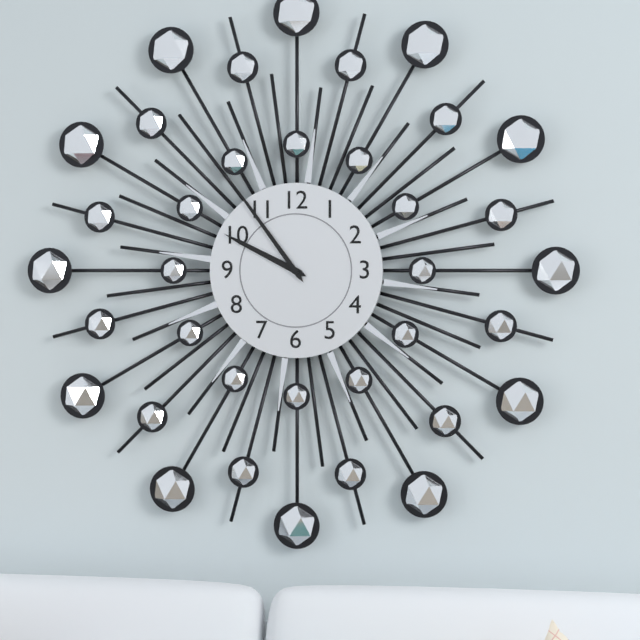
9:54
